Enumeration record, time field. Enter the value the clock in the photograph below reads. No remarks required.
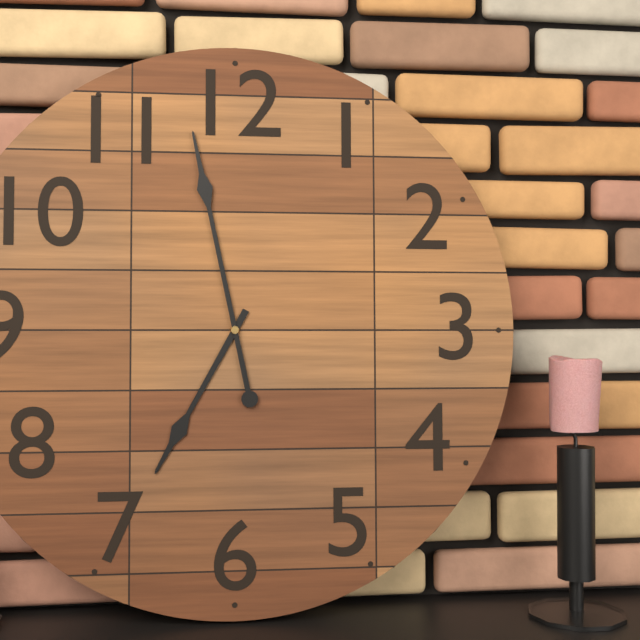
6:58
